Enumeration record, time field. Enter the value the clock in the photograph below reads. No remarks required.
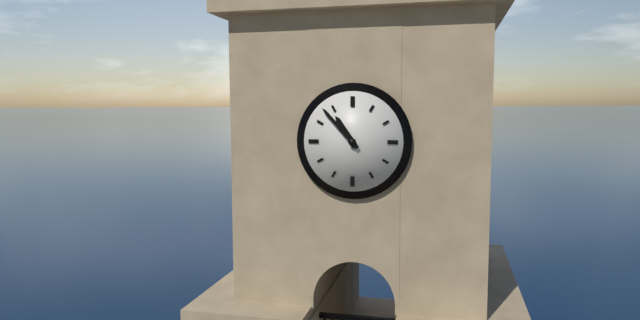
10:53
